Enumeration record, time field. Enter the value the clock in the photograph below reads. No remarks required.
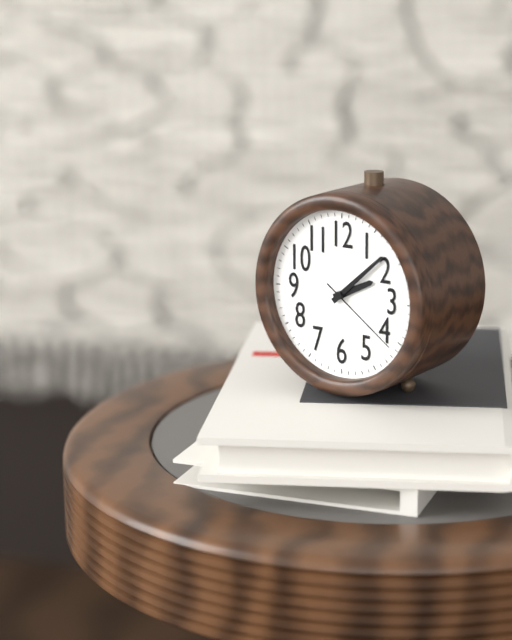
2:08:21
